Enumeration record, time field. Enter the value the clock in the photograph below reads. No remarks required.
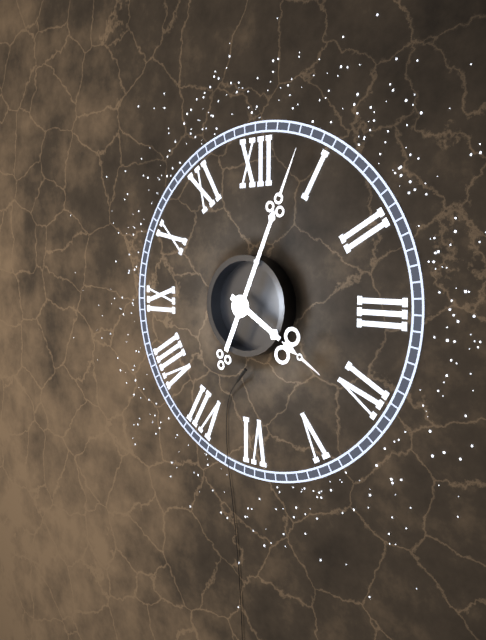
4:04
